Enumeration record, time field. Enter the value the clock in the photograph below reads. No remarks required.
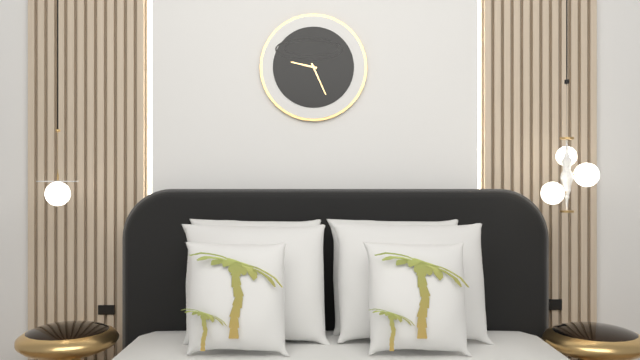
9:26
